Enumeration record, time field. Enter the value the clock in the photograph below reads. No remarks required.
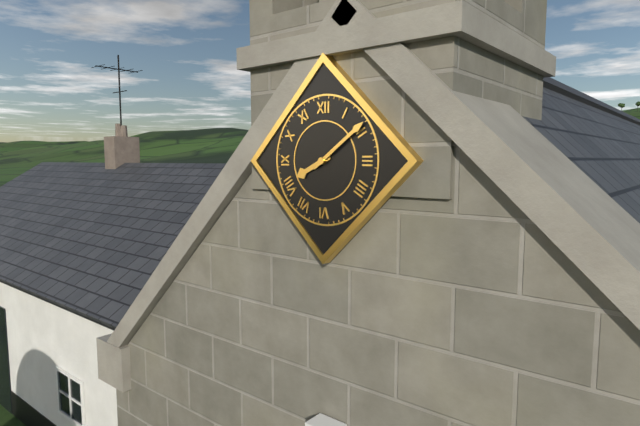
8:09
